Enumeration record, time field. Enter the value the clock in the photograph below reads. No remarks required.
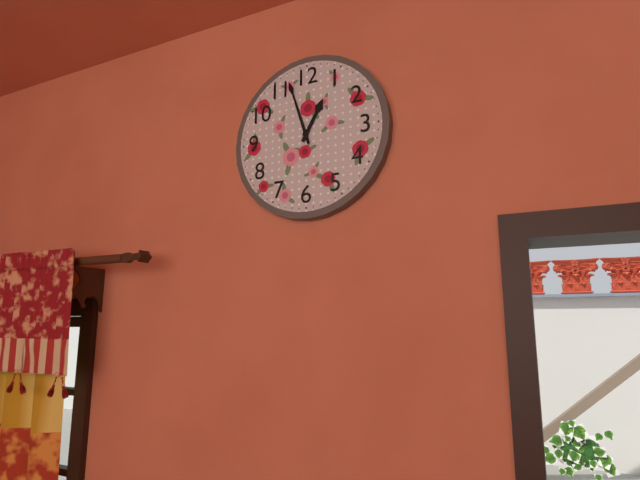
12:57
